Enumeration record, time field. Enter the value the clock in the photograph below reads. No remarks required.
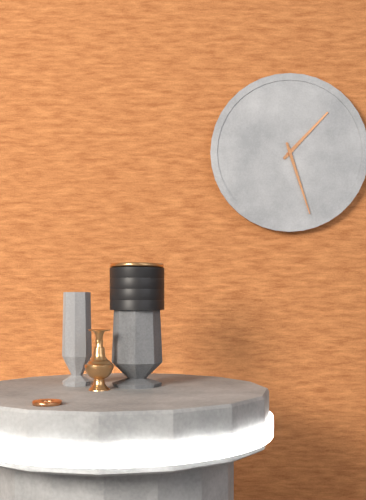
1:27
